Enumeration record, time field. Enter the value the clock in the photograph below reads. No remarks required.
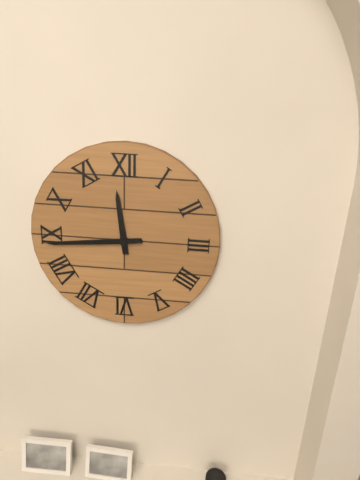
11:44
